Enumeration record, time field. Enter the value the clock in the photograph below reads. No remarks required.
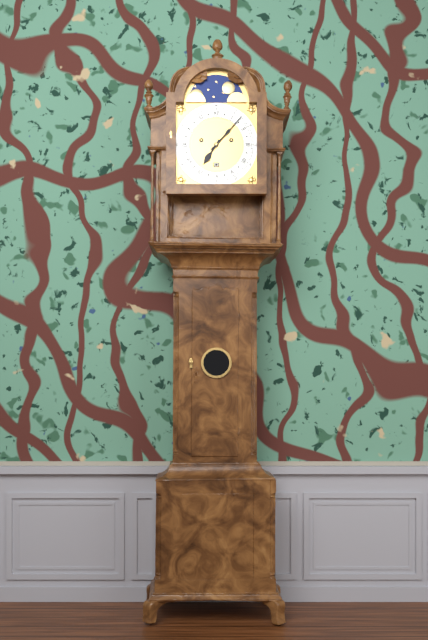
7:07
